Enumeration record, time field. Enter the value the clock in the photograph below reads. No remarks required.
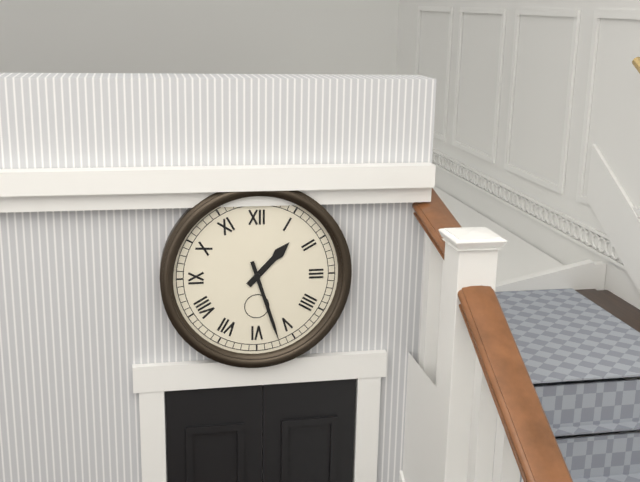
1:27
